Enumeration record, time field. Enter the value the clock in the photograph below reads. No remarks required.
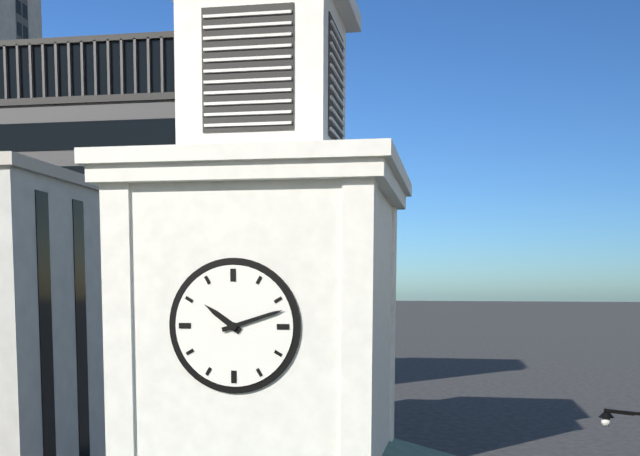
10:12
